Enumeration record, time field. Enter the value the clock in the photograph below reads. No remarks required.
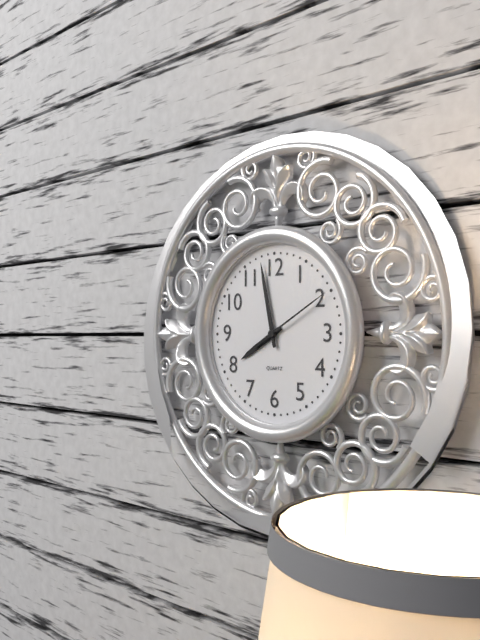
7:58:10
